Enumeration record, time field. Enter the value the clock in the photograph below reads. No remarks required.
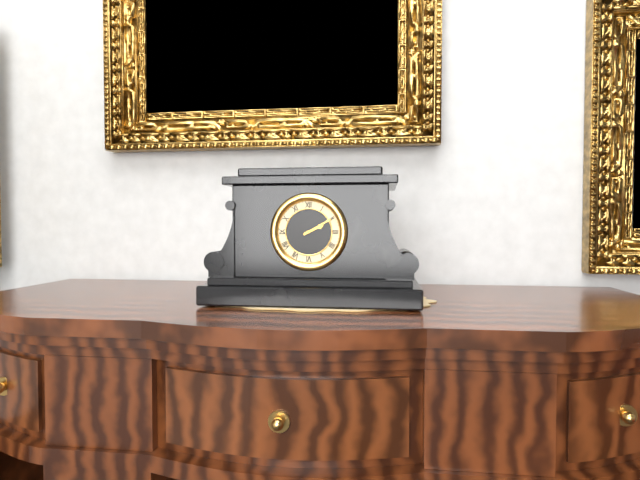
2:10
